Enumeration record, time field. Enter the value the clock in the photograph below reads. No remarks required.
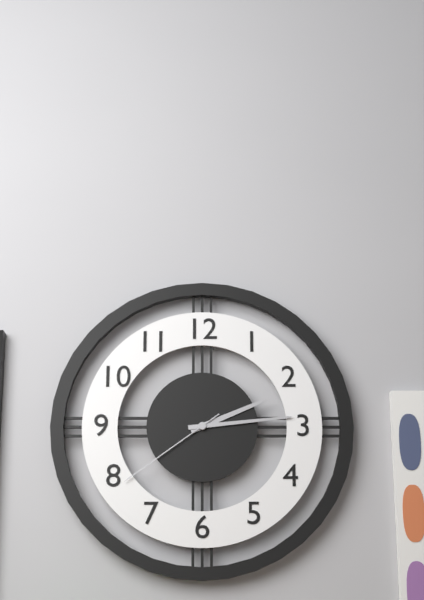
2:14:39
